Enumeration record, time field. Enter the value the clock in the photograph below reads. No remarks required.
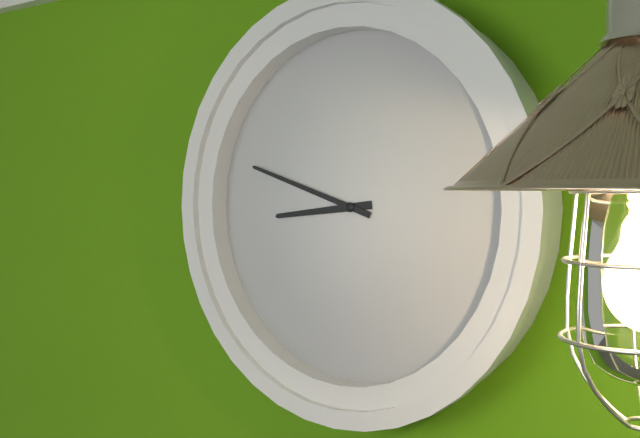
8:48
